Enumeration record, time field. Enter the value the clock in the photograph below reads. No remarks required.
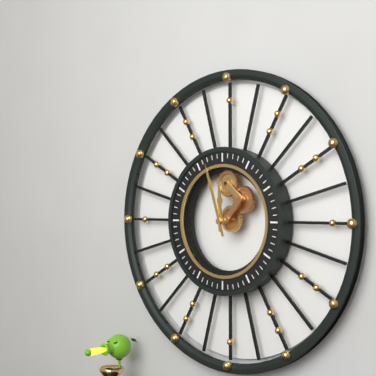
11:57
